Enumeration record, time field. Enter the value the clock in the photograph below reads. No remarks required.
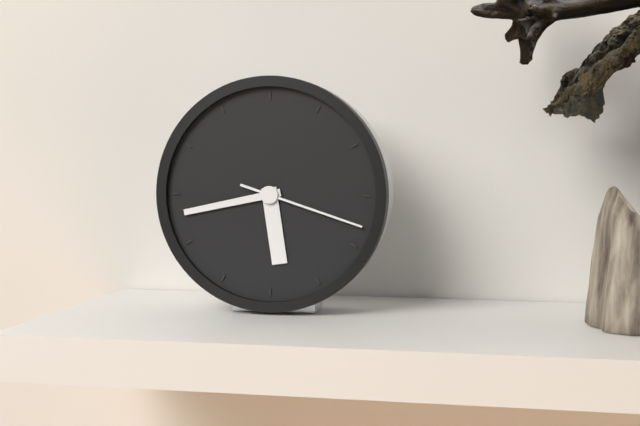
5:43:18
